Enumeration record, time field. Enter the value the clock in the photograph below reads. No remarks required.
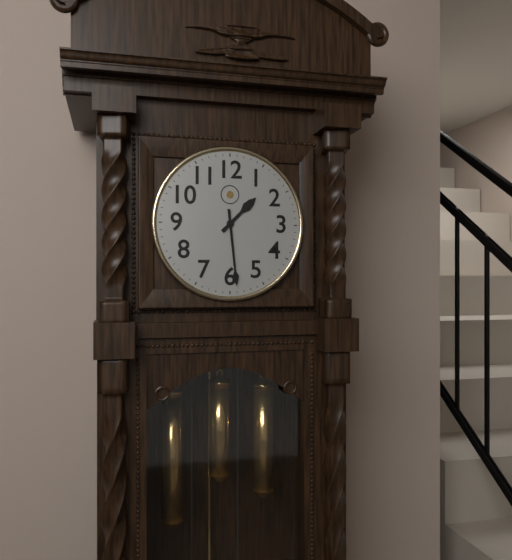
1:29
